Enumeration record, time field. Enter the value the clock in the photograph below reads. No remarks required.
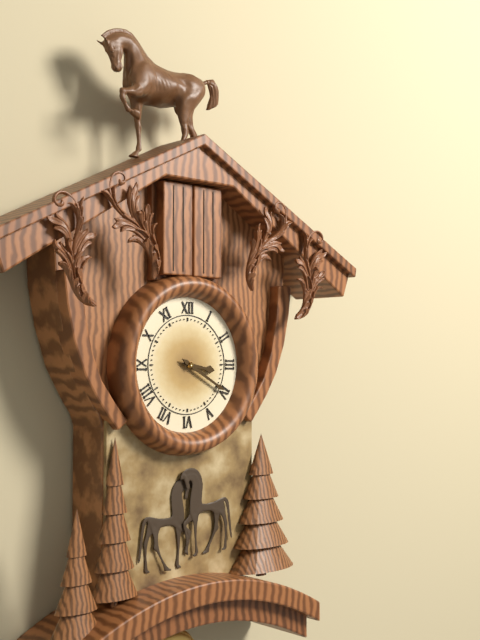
3:20
